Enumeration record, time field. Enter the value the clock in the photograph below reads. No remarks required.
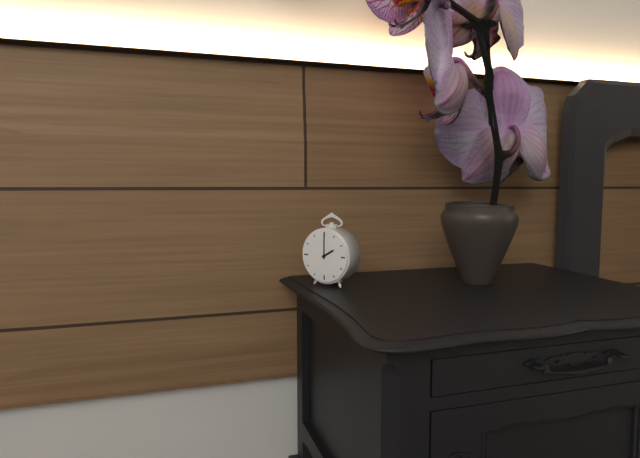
2:00
